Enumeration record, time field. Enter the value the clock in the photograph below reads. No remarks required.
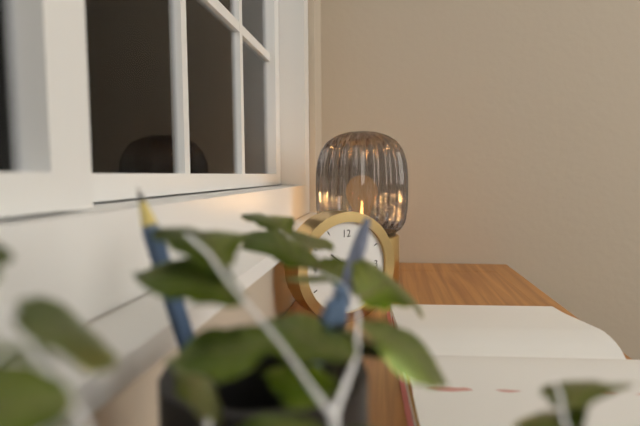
10:16
